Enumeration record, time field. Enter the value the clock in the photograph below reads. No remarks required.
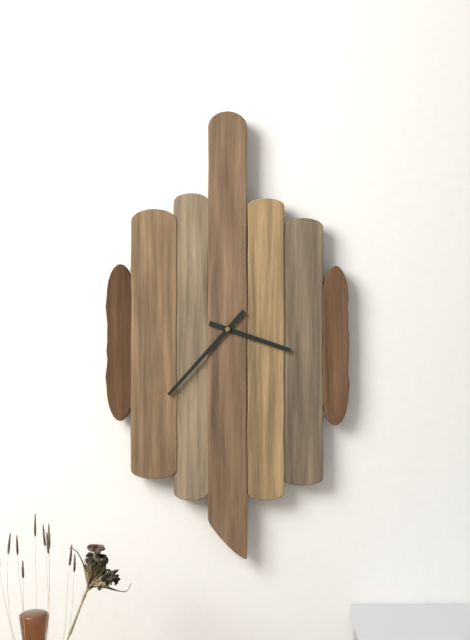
3:37
